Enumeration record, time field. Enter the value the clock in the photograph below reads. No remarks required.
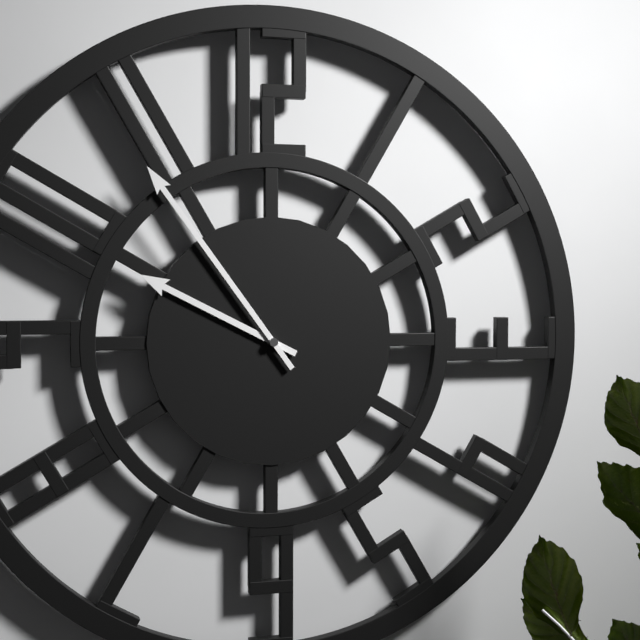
9:54
